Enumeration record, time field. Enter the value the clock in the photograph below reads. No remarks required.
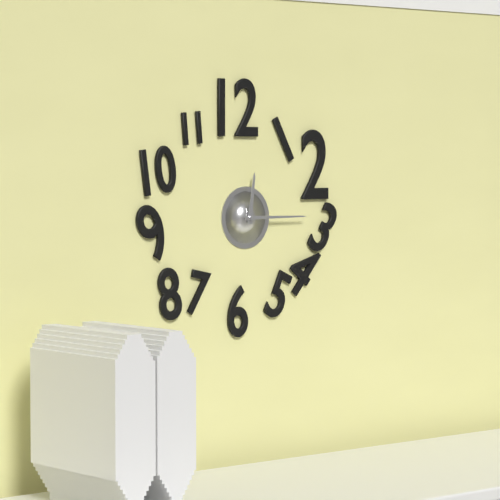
12:15
